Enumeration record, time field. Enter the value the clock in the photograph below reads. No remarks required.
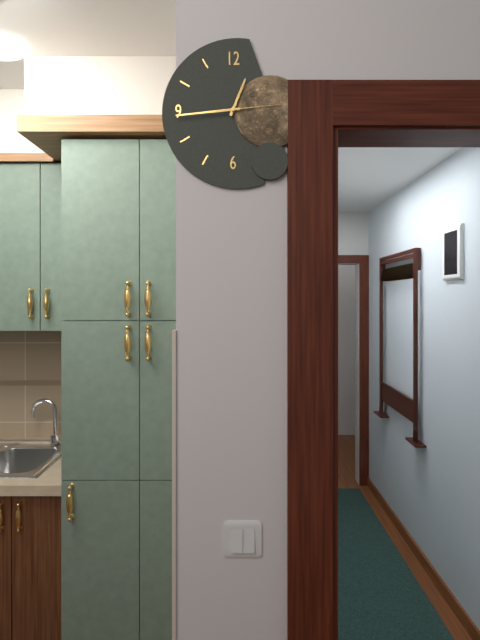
12:44:14
